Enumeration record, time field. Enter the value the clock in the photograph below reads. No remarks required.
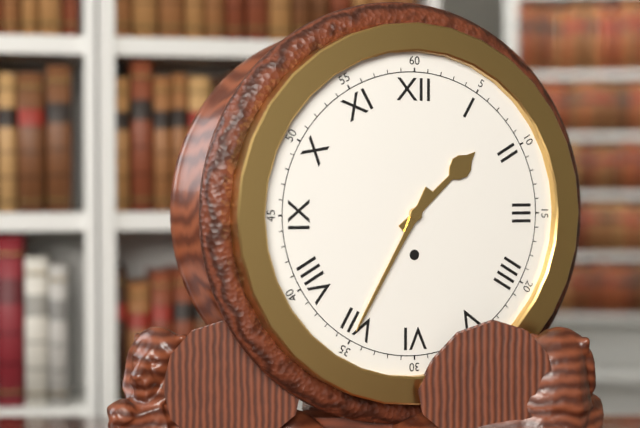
1:35
